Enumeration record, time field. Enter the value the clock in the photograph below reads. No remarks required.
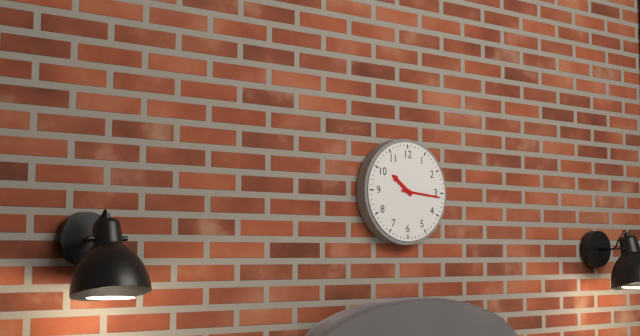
10:16
